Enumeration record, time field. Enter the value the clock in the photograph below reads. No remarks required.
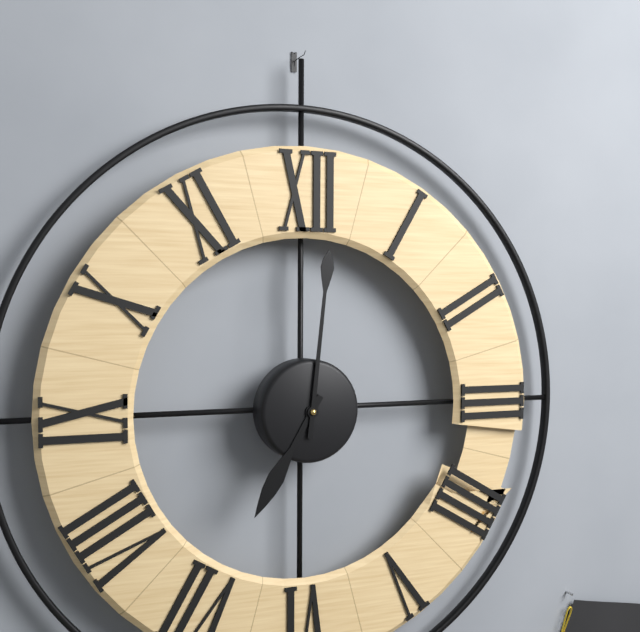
7:01
